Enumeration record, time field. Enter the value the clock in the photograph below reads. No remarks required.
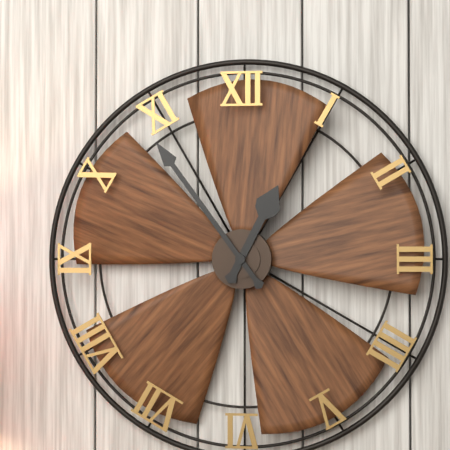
12:54
